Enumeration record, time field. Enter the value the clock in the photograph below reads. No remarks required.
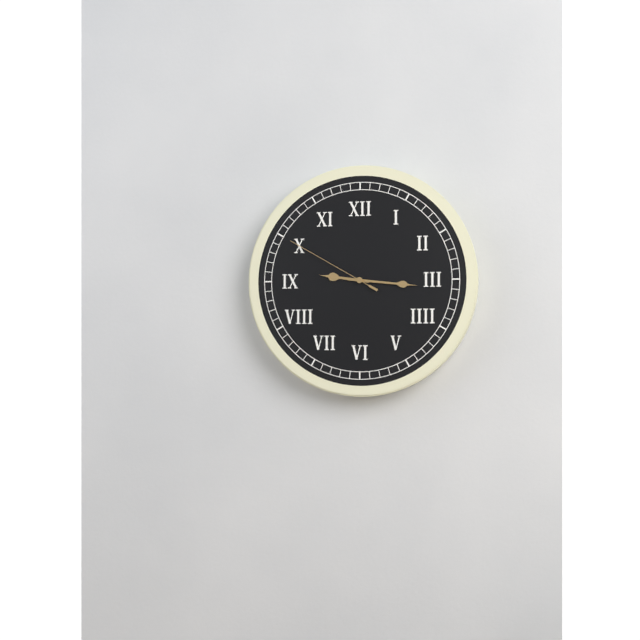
9:16:50
